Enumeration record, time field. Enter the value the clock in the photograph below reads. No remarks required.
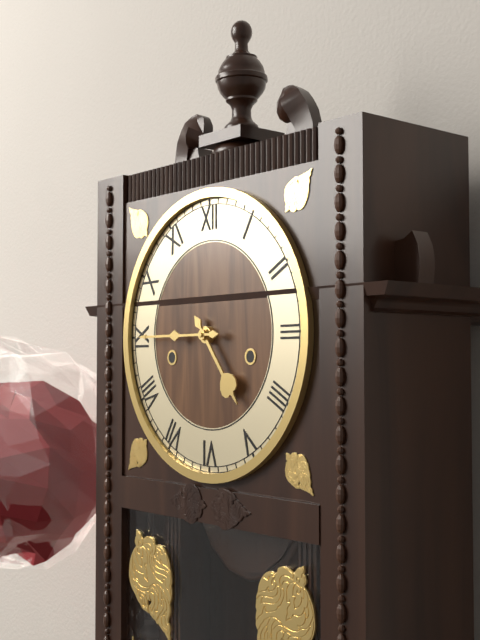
4:45
